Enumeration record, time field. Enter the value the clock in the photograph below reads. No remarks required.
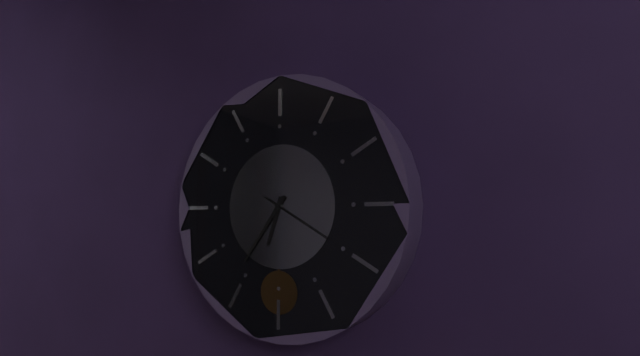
6:36:20
